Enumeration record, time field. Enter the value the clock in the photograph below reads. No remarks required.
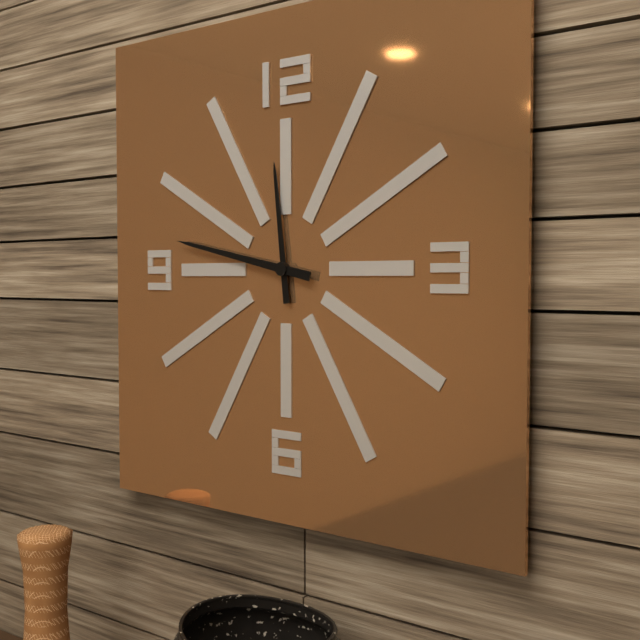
11:47
